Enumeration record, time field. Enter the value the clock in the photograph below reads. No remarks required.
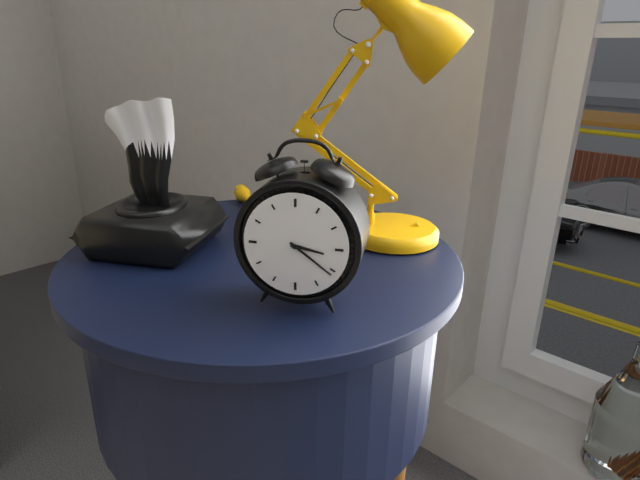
3:21
